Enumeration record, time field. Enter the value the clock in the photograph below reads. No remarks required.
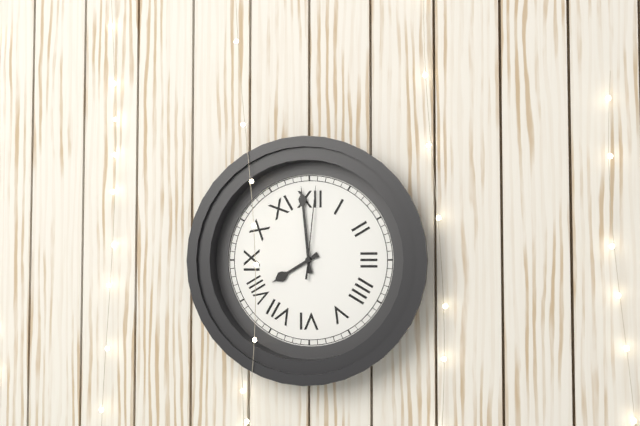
7:59:01
